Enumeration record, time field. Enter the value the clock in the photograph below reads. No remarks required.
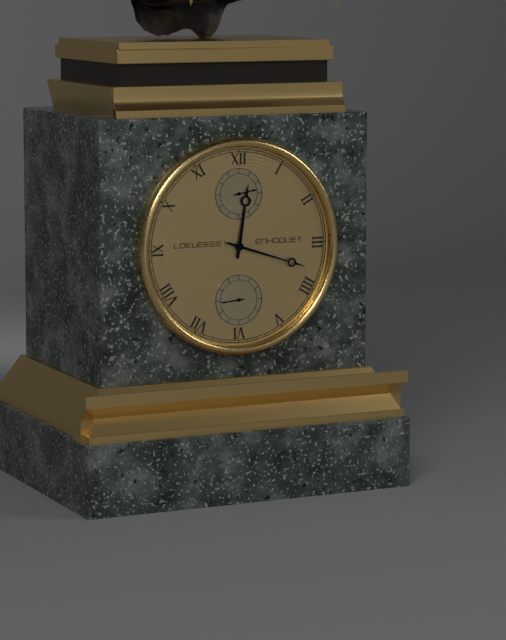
12:18
